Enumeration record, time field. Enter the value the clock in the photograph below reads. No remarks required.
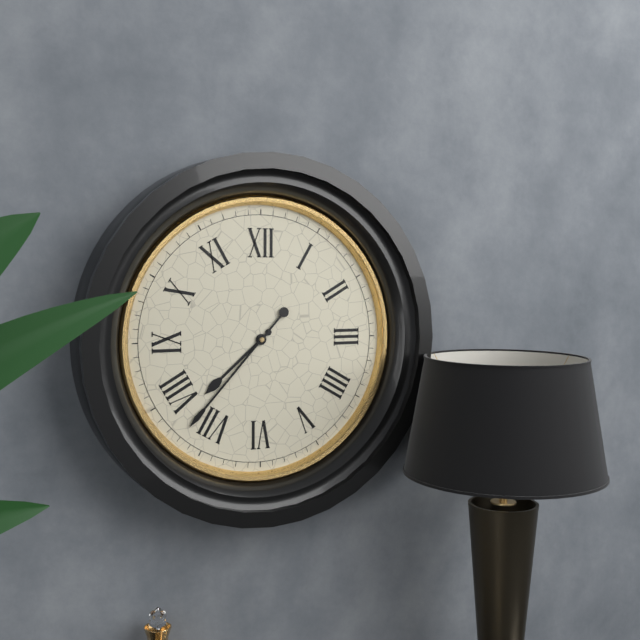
7:37
